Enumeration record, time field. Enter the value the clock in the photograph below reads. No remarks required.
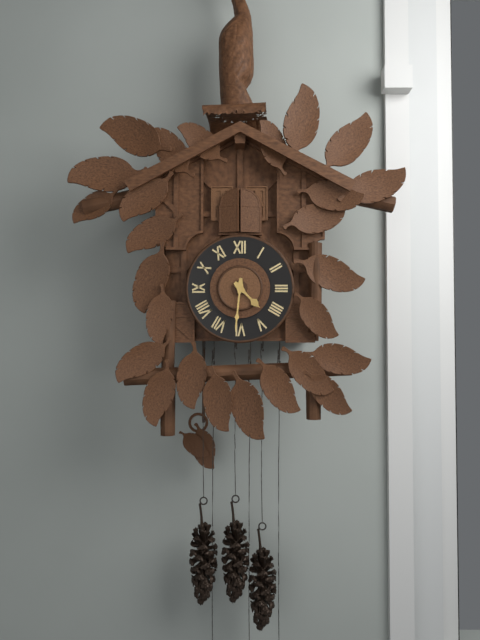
4:31
